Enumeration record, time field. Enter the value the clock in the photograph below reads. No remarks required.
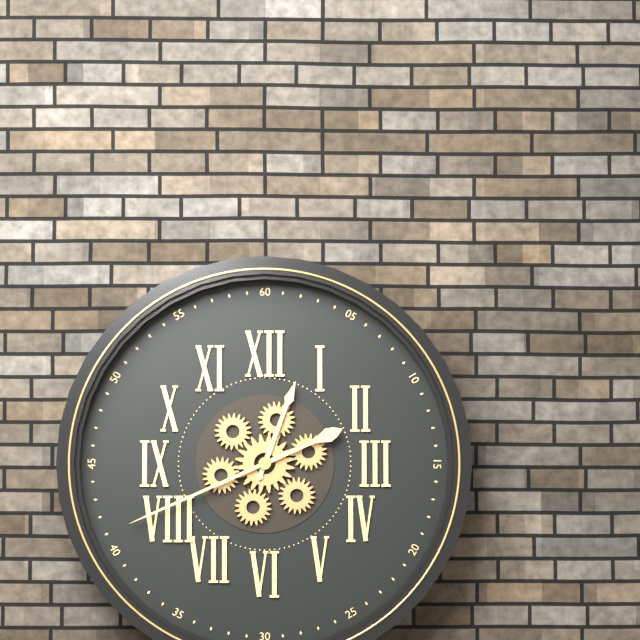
12:41
